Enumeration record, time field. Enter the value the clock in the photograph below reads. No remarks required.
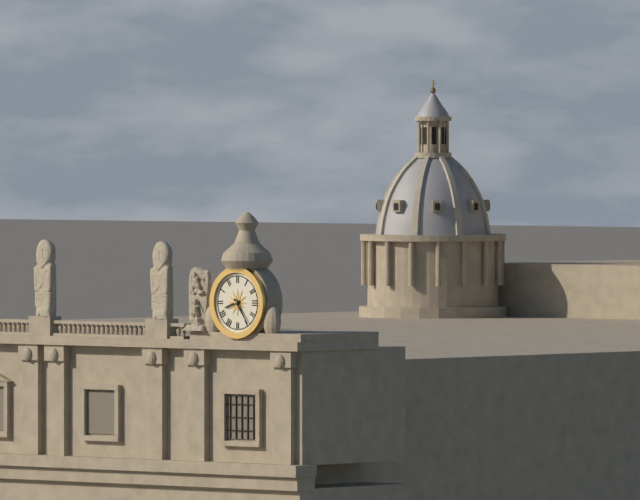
8:24
